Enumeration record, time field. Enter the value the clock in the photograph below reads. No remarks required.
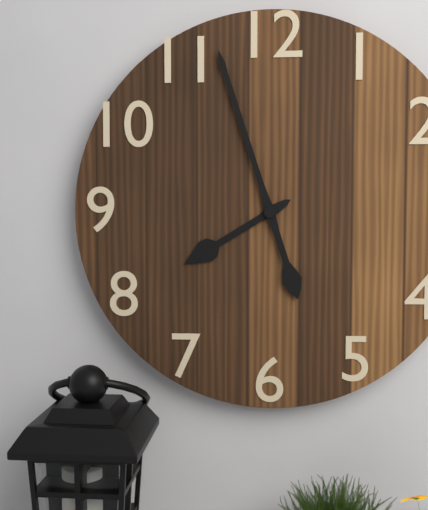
7:57
